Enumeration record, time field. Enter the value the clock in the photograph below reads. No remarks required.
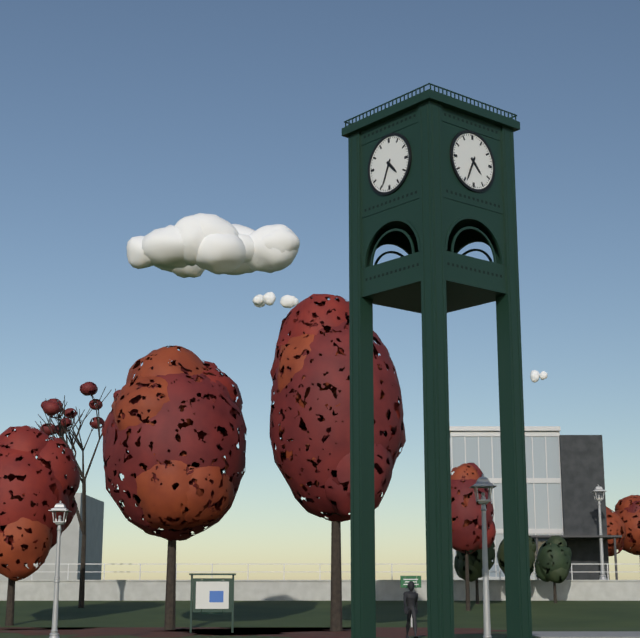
4:34
